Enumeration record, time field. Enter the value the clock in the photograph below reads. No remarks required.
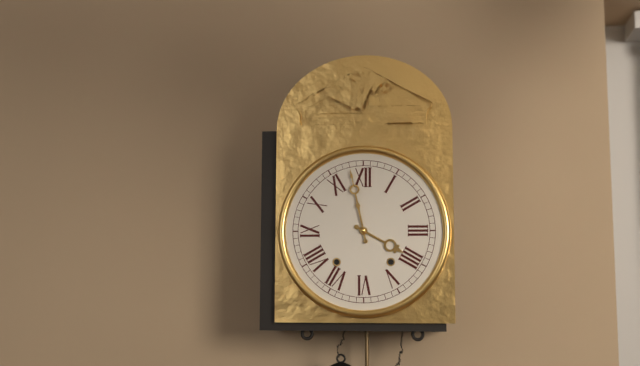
3:58
